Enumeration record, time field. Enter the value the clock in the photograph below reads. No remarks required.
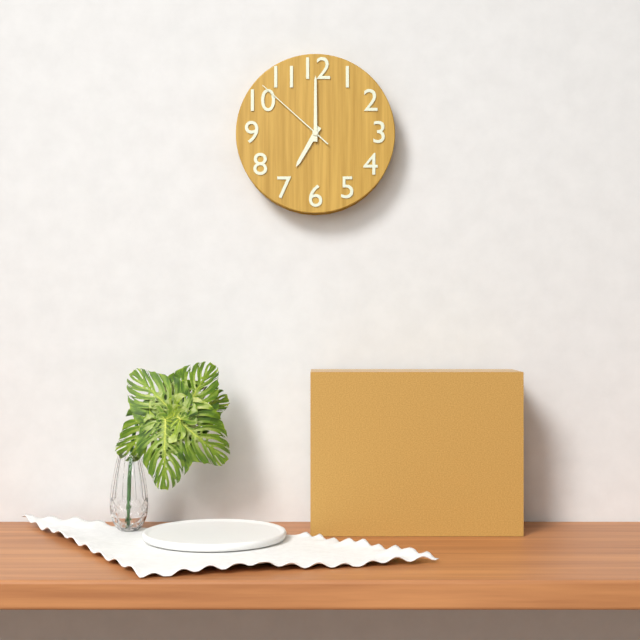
7:00:52
